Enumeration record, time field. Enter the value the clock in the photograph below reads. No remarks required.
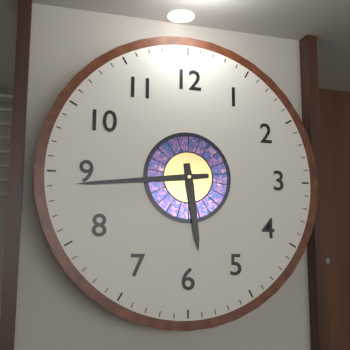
5:44
